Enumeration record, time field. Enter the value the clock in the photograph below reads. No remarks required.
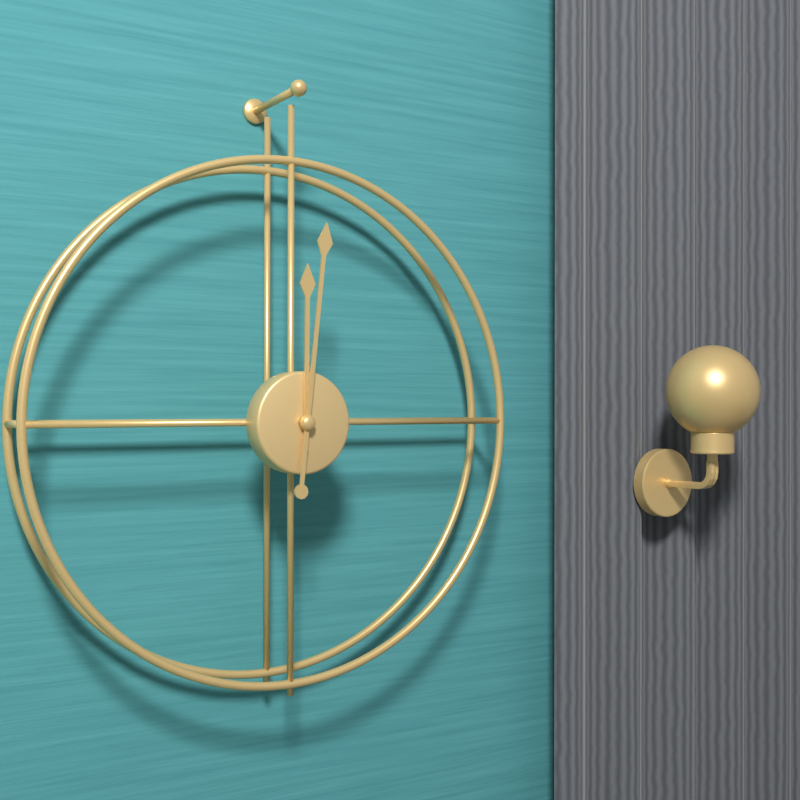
12:01
